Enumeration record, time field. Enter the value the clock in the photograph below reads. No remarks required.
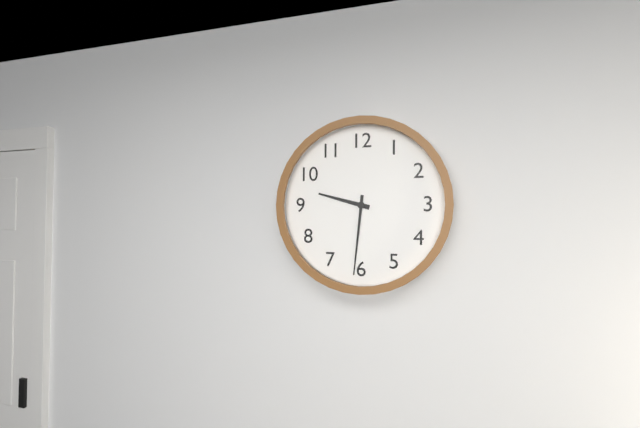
9:31
